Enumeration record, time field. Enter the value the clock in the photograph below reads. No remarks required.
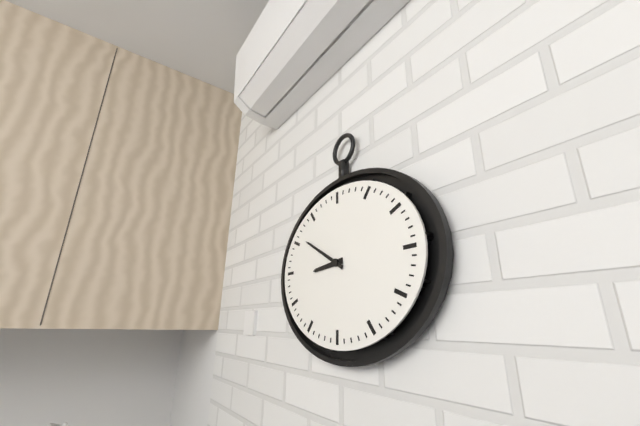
8:50
